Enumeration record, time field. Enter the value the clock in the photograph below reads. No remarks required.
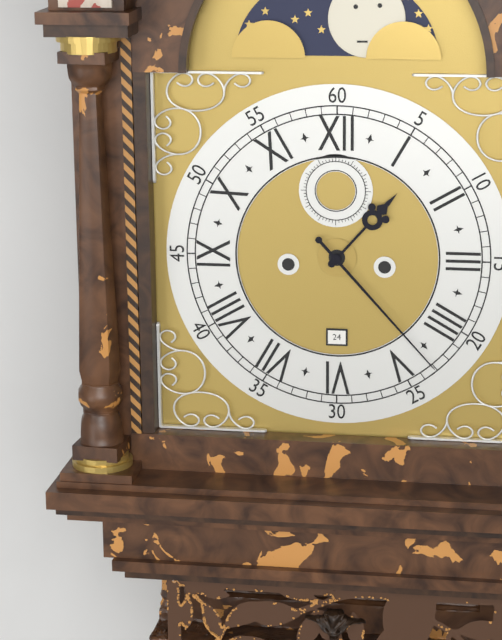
1:23
